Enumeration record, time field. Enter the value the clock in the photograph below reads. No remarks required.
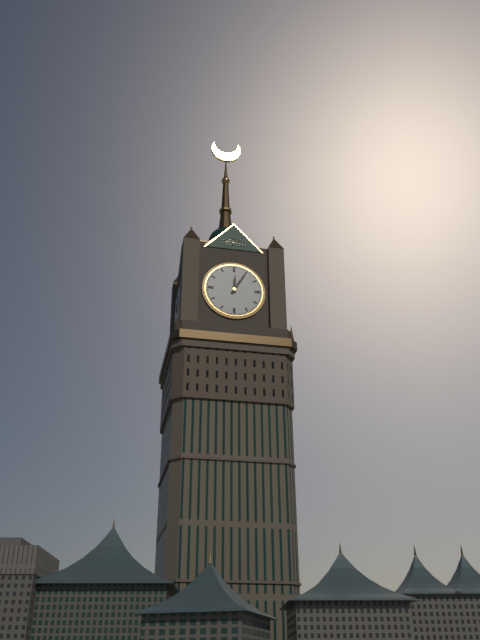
12:05
